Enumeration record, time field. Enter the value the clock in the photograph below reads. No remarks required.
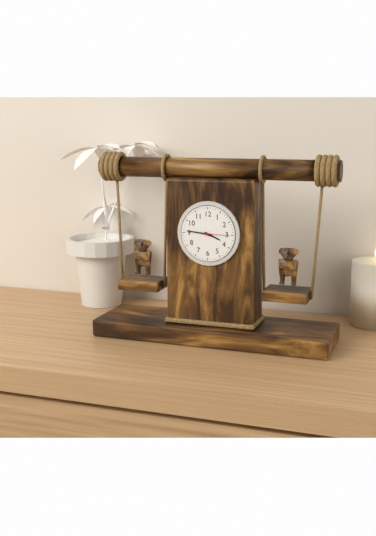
3:46
